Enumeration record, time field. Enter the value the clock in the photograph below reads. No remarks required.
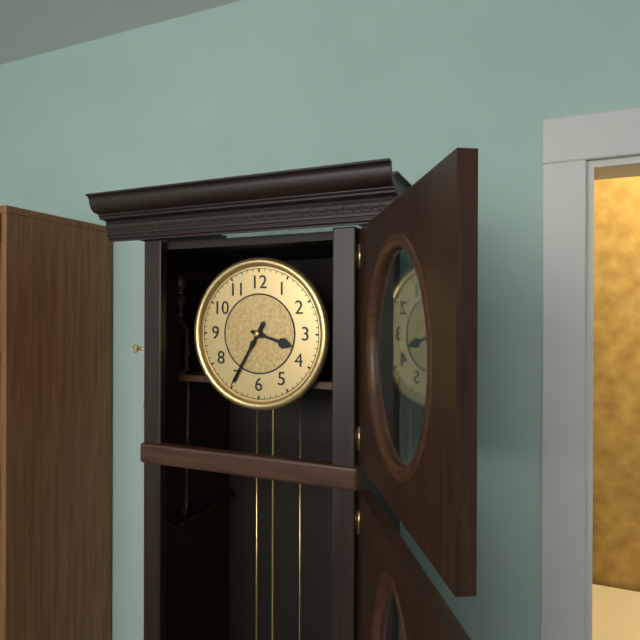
3:35
